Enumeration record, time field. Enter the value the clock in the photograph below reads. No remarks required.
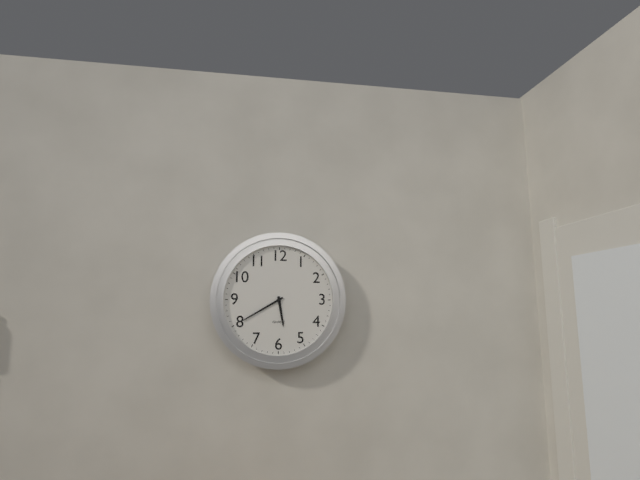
5:40
